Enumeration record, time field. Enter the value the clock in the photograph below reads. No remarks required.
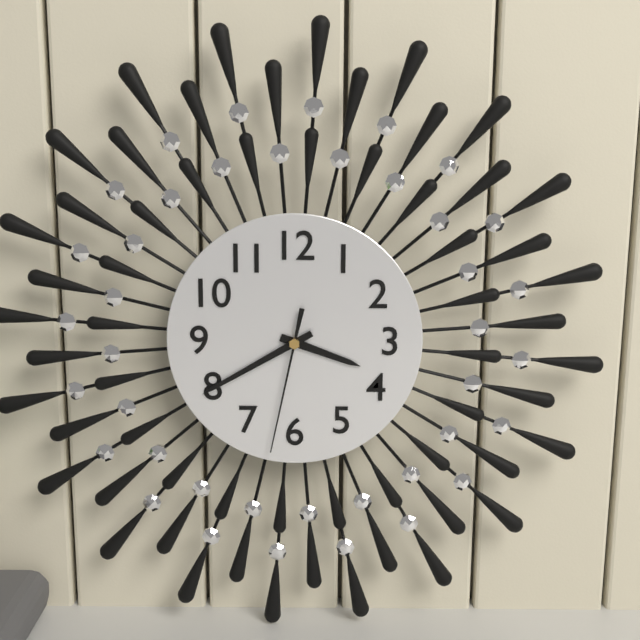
3:40:32
